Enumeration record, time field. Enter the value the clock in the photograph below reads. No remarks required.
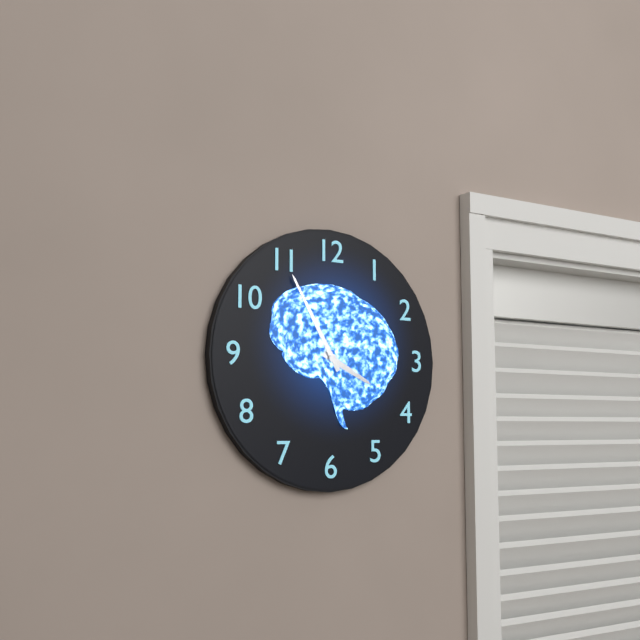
3:55
